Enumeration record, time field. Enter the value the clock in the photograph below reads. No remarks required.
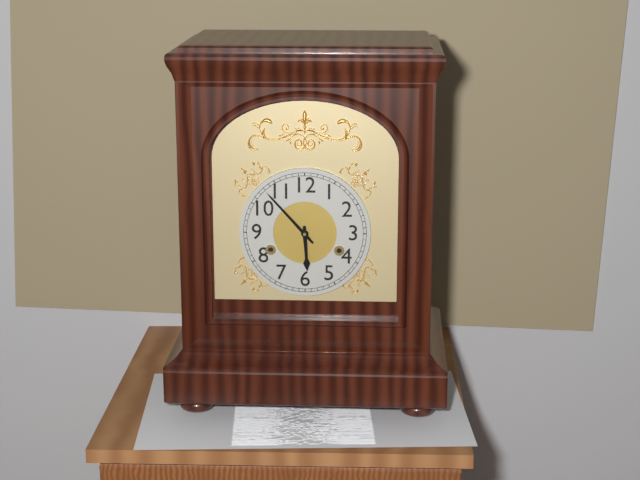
5:53
